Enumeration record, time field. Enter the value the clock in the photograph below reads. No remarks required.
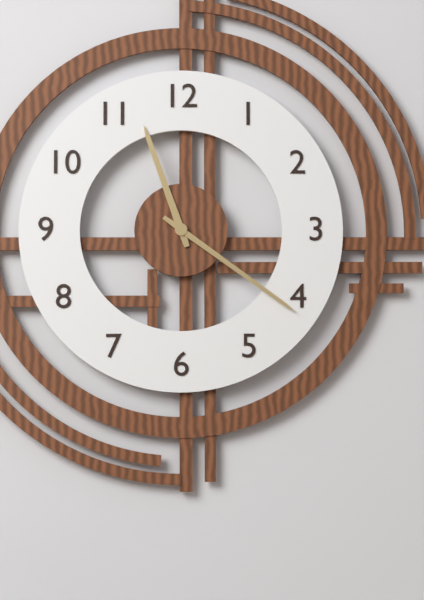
11:21
